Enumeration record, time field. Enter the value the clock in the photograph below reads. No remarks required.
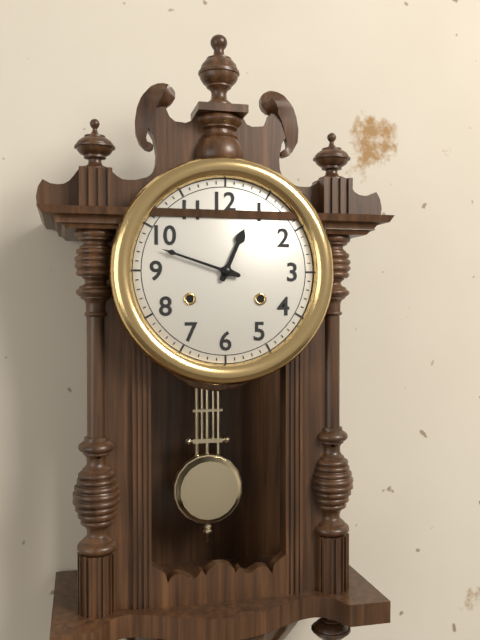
12:48
